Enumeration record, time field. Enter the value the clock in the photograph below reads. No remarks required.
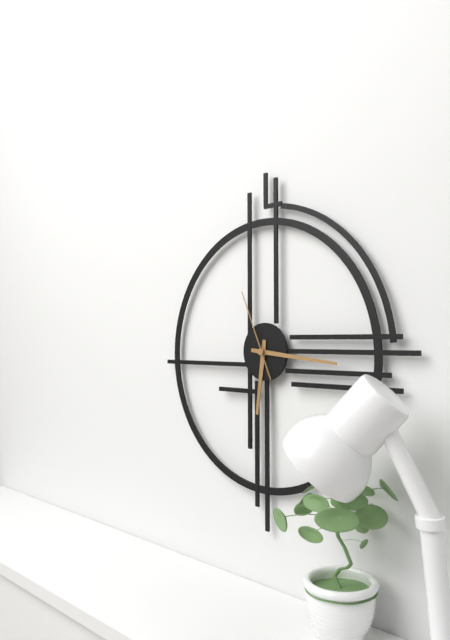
6:16:56
